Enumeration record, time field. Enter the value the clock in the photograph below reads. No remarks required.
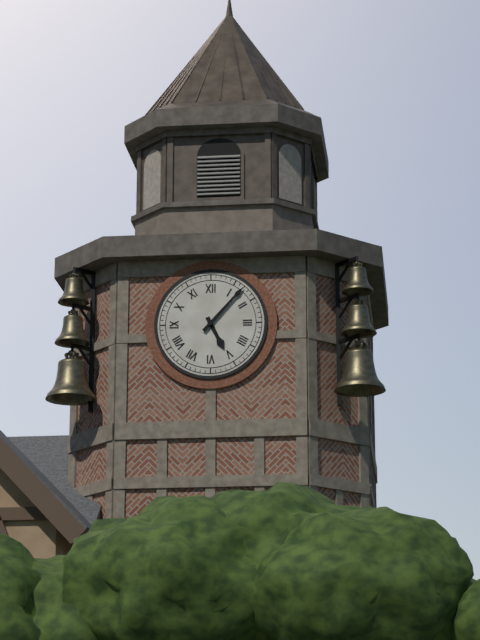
5:07
